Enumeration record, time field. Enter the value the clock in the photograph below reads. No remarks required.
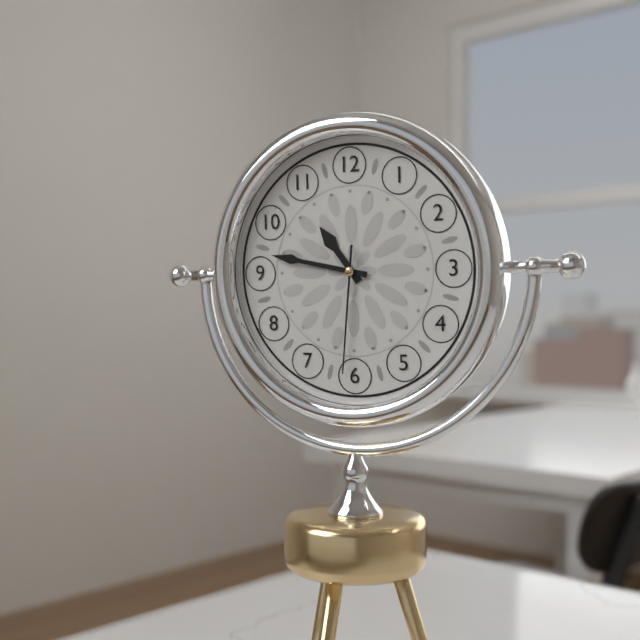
10:47:31
